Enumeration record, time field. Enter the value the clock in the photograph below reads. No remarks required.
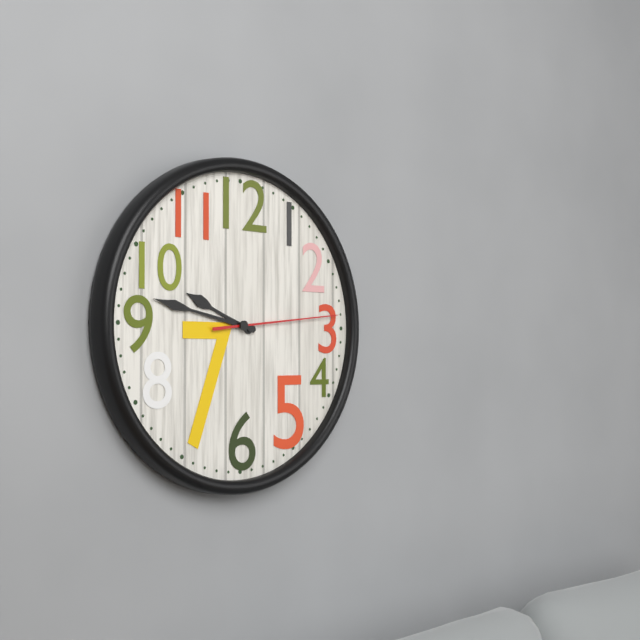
9:47:14
